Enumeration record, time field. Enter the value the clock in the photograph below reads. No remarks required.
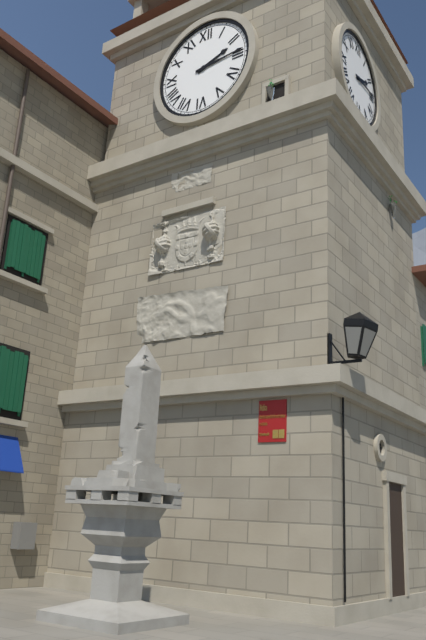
2:14
